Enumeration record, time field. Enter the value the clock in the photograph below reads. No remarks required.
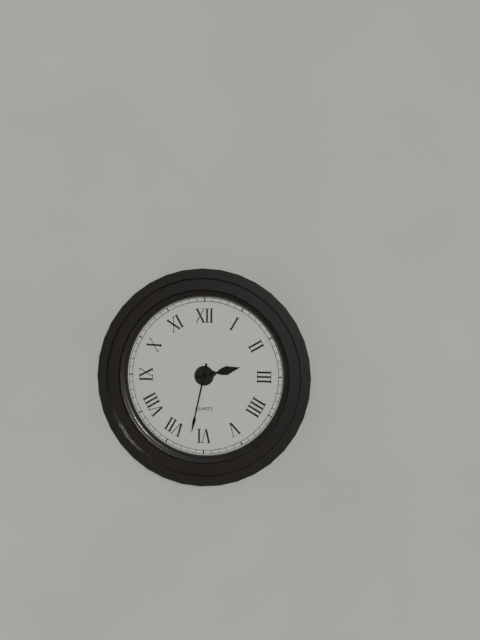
2:32
